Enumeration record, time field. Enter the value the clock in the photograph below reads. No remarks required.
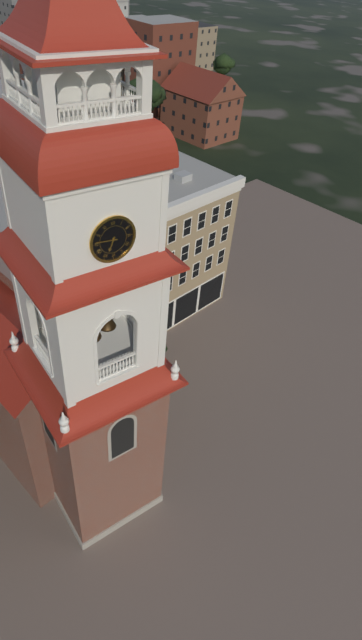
6:46
